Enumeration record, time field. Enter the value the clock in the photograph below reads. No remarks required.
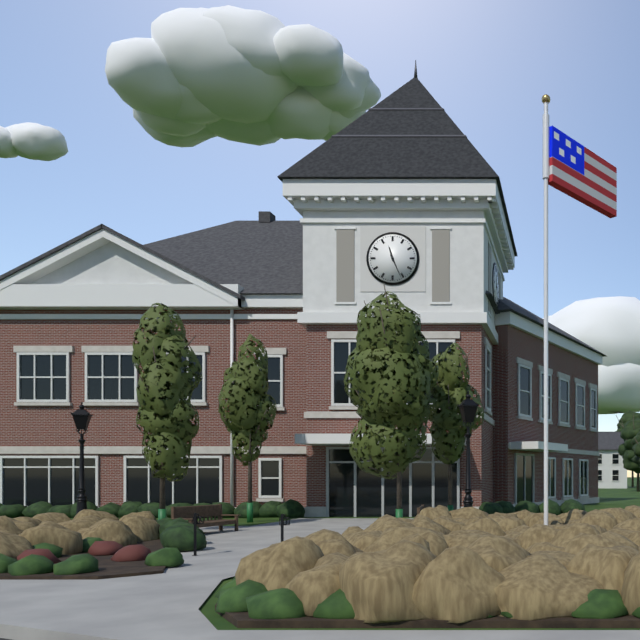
11:26
